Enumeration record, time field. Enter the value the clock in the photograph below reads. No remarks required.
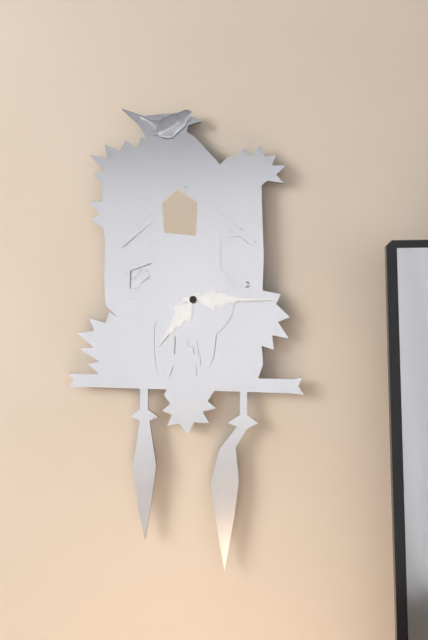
7:15
